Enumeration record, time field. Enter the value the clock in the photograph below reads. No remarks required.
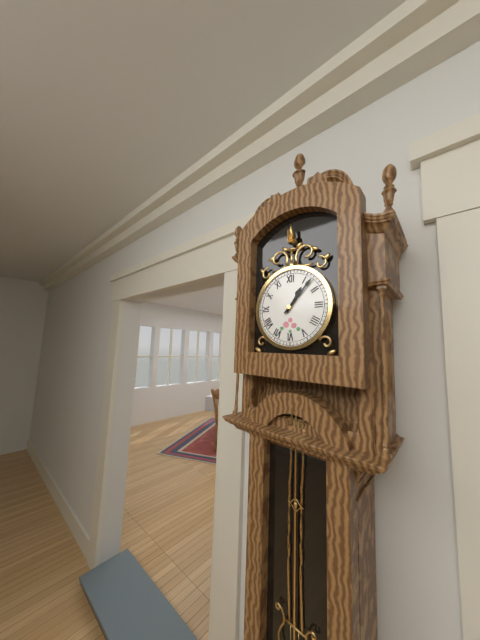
1:07
